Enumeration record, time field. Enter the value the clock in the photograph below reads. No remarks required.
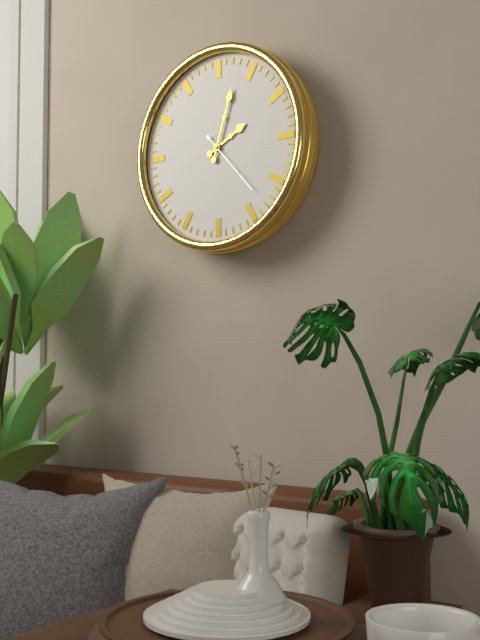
2:03
